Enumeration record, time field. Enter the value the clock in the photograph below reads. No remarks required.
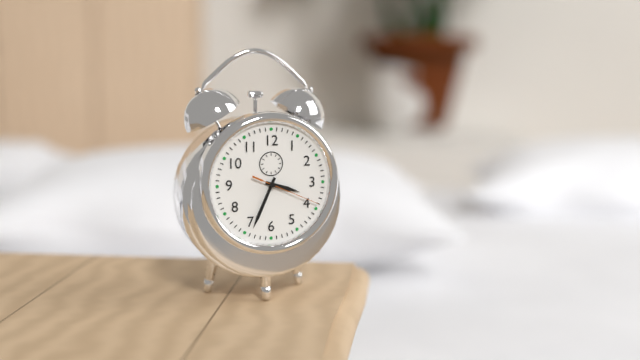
3:34:19
